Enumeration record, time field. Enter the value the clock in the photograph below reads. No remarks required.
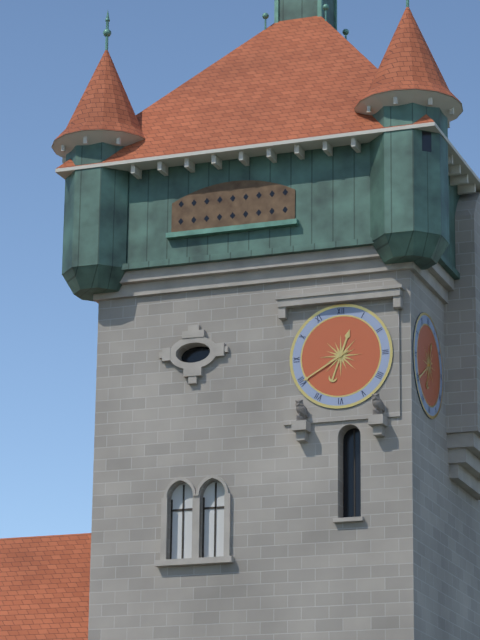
12:40
